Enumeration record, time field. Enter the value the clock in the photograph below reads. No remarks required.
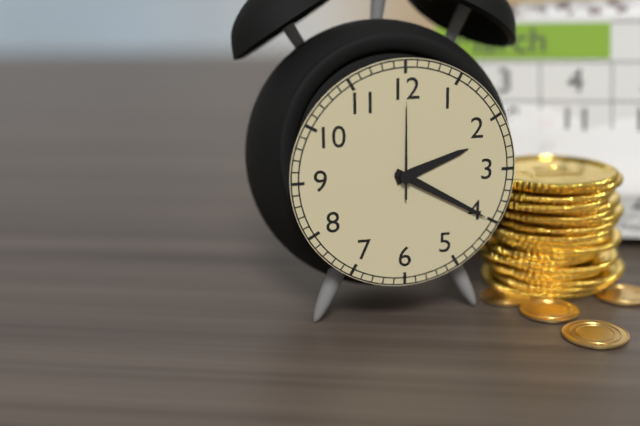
2:20:00
